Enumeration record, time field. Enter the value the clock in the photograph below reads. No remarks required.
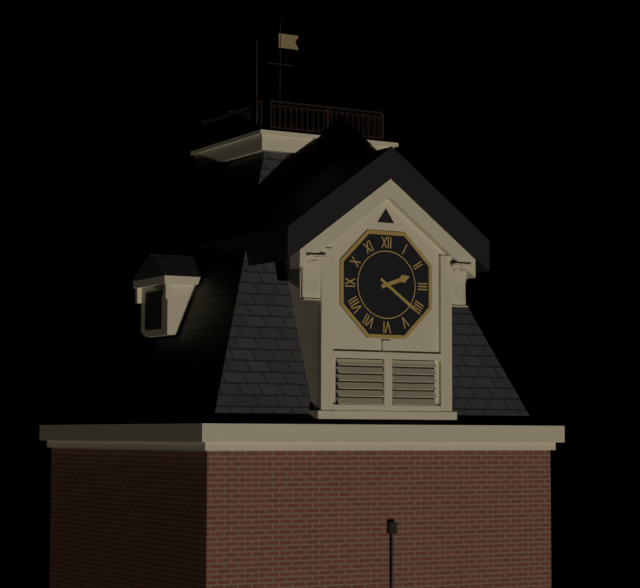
2:21
